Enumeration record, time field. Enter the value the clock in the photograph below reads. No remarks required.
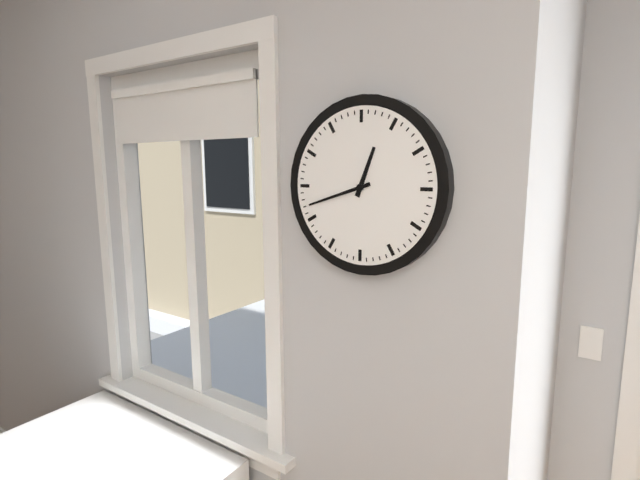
12:42
